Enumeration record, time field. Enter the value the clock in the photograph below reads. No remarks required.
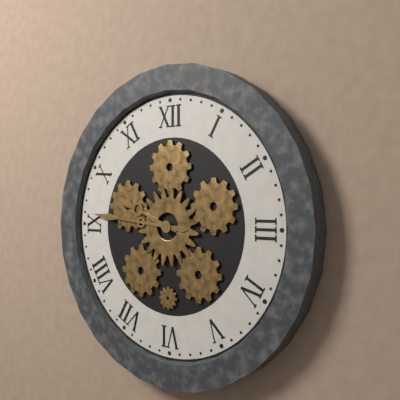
9:46
